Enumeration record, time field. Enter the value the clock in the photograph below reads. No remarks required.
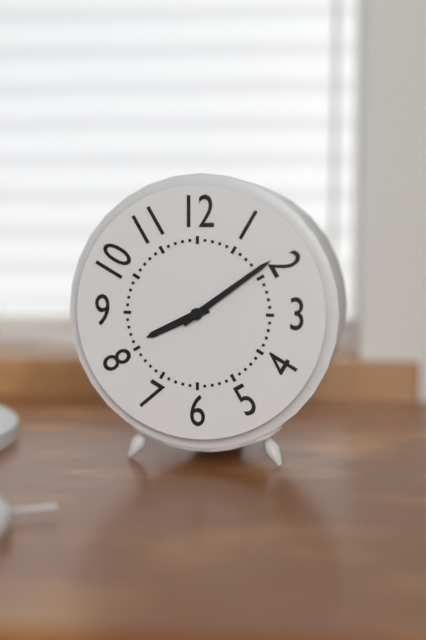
8:09
